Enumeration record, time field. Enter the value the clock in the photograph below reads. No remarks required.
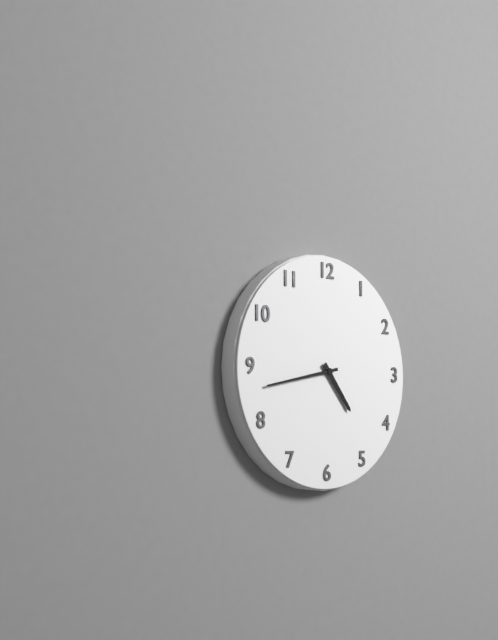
4:43
